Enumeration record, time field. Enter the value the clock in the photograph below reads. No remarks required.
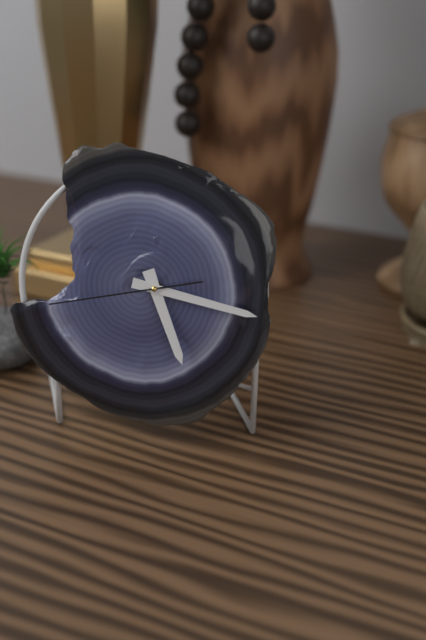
5:17:43
